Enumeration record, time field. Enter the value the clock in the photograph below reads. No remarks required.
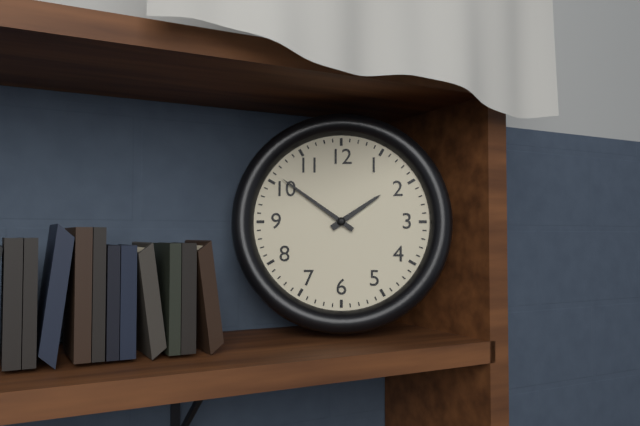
1:51
